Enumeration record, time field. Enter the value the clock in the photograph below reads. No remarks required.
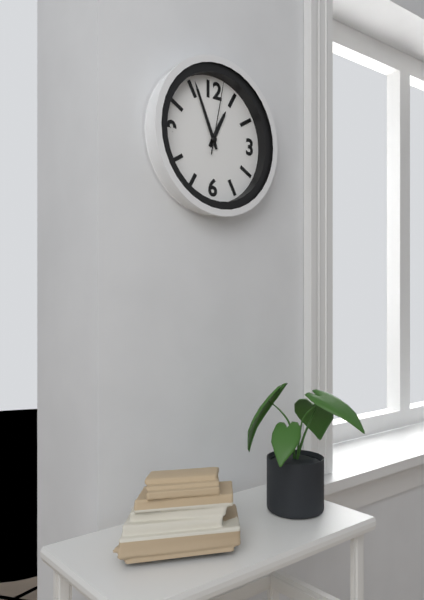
12:56:02
